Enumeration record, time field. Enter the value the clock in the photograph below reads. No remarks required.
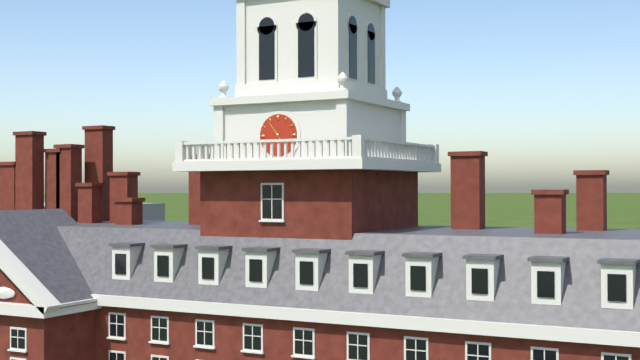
4:54
